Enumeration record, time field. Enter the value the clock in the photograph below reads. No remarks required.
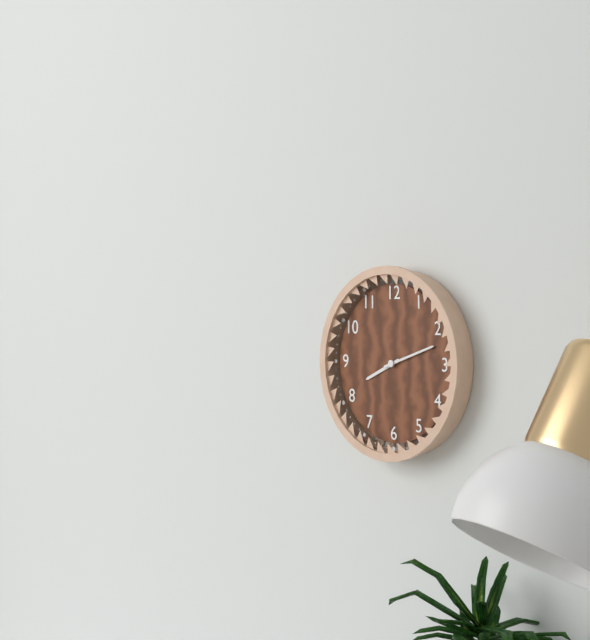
8:12
